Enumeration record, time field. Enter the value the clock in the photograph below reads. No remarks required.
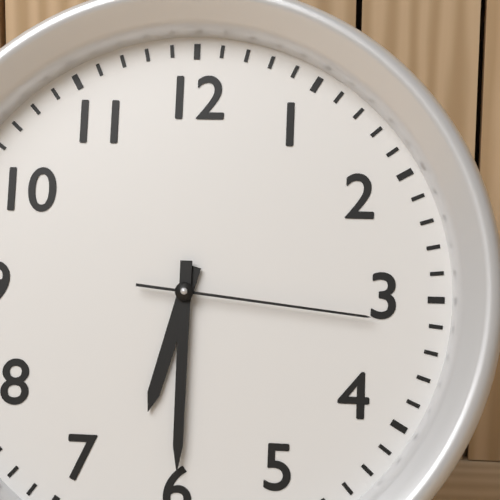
6:30:16
